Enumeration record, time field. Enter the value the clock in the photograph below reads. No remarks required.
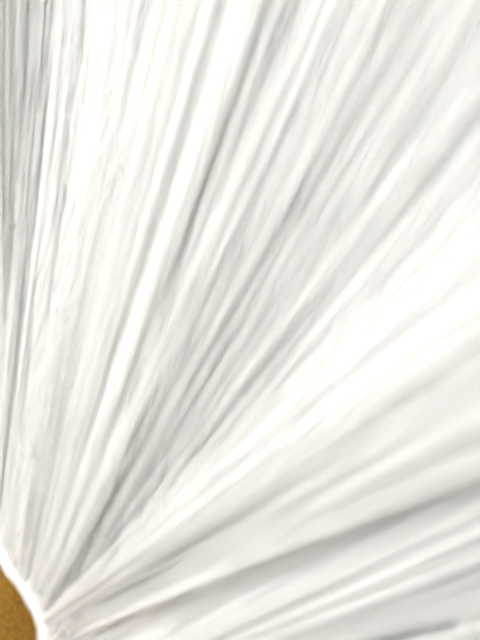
3:50
